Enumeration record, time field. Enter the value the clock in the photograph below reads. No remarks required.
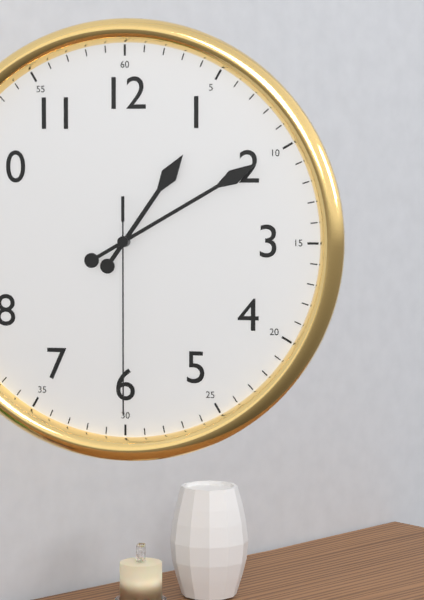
1:10:30
